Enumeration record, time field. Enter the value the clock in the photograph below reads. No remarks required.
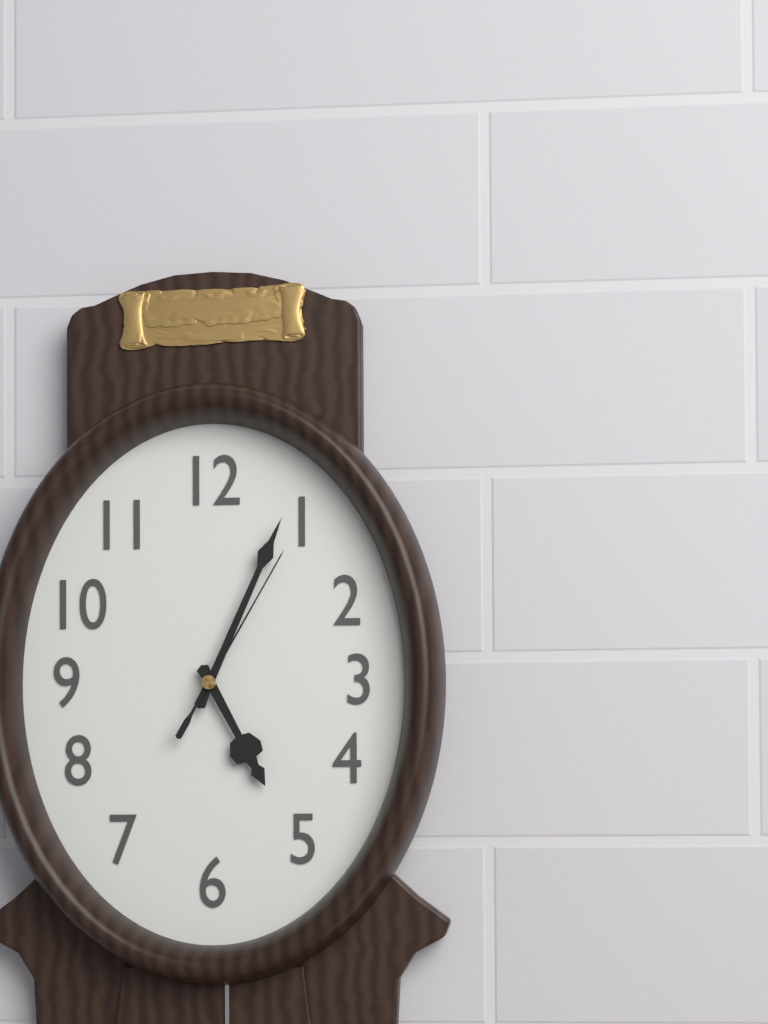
5:04:05
